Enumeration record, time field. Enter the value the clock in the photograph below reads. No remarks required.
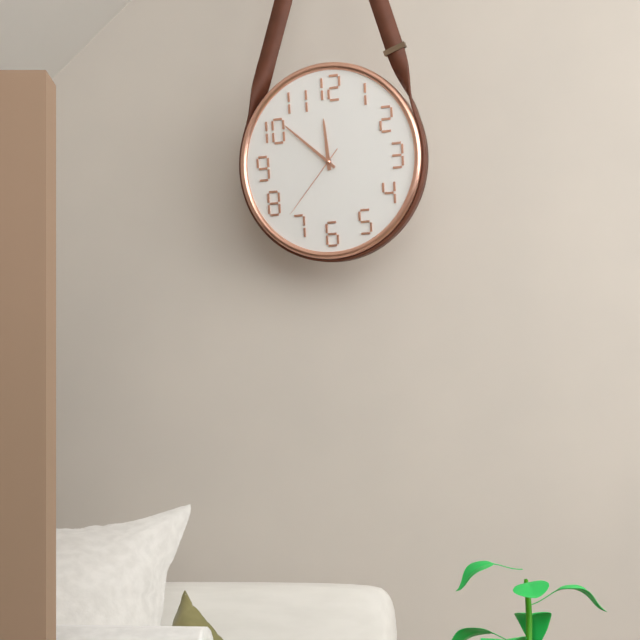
11:52:37
